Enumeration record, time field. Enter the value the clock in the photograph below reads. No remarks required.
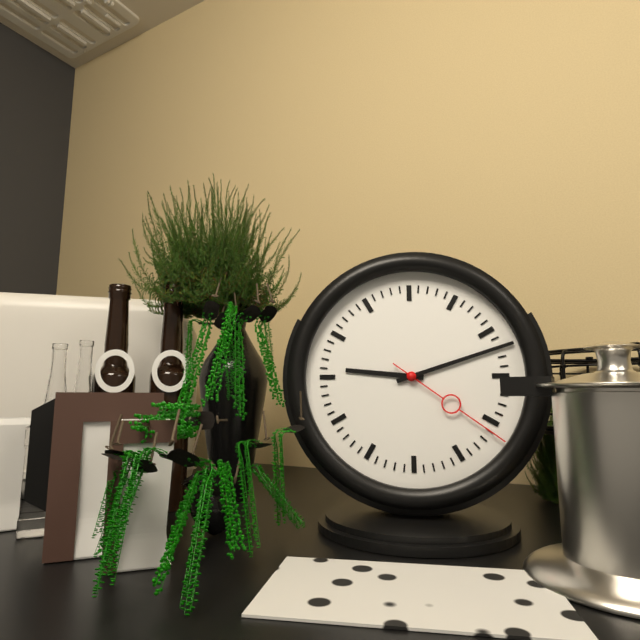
9:12:21
